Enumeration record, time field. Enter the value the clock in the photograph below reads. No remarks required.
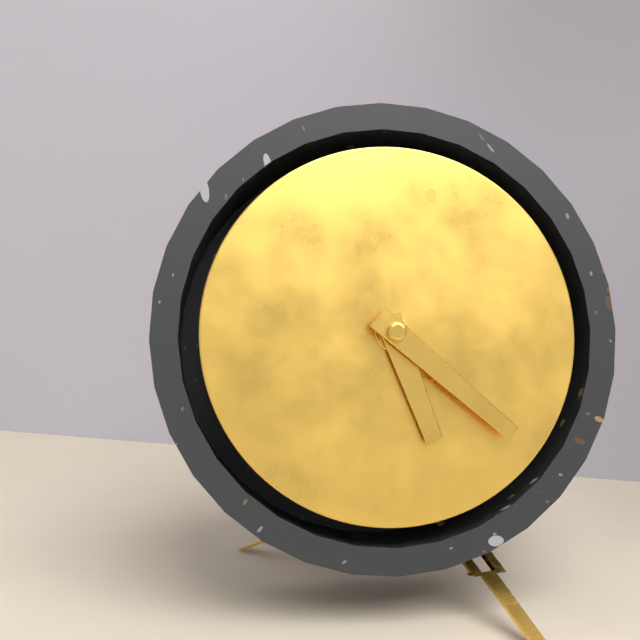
5:22
